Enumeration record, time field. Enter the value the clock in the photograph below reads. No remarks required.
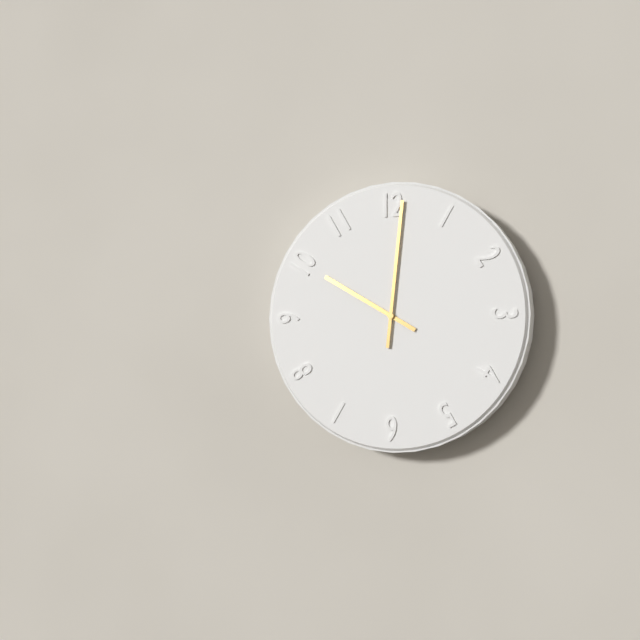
10:01
